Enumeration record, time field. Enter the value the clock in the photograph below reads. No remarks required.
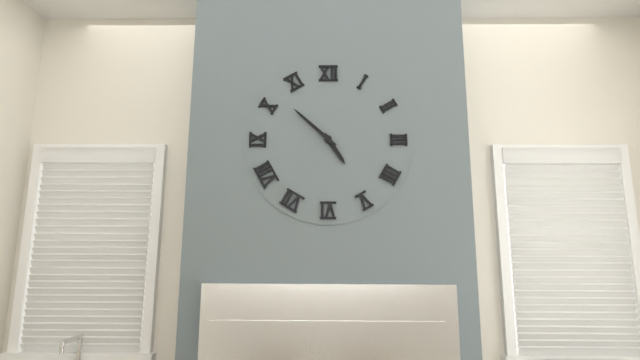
4:52
